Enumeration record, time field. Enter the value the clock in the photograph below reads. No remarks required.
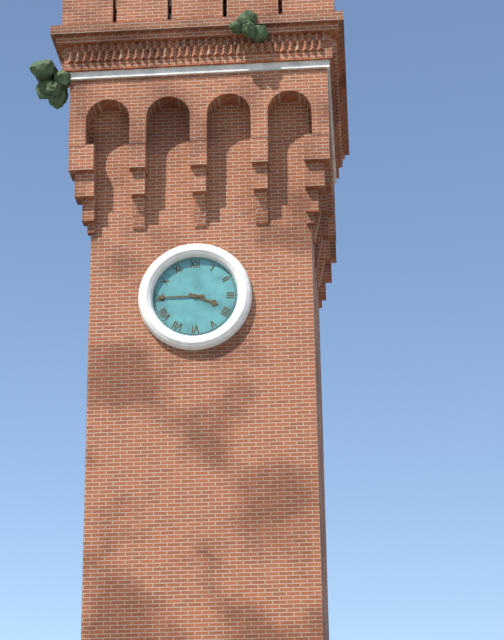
3:45
